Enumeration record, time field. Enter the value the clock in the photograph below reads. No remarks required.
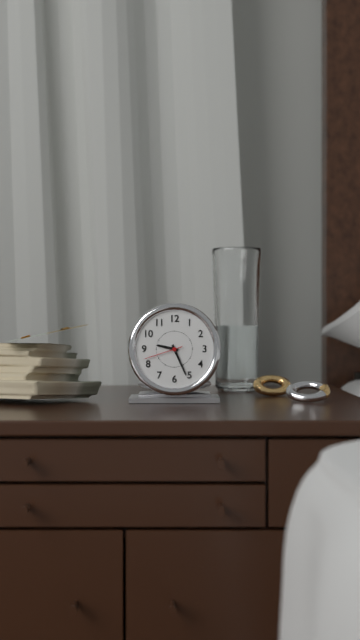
9:26
